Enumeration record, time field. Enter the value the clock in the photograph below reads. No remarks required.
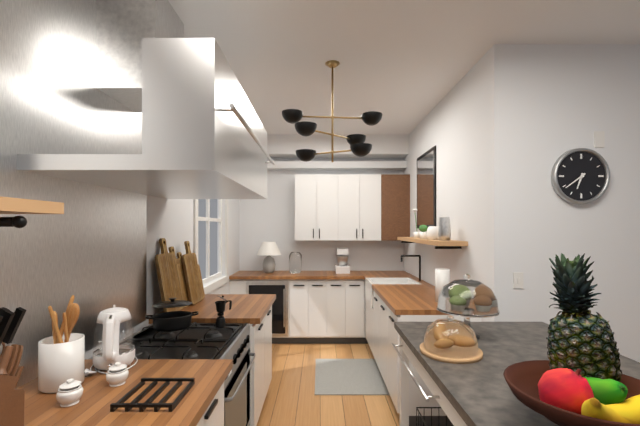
6:39
